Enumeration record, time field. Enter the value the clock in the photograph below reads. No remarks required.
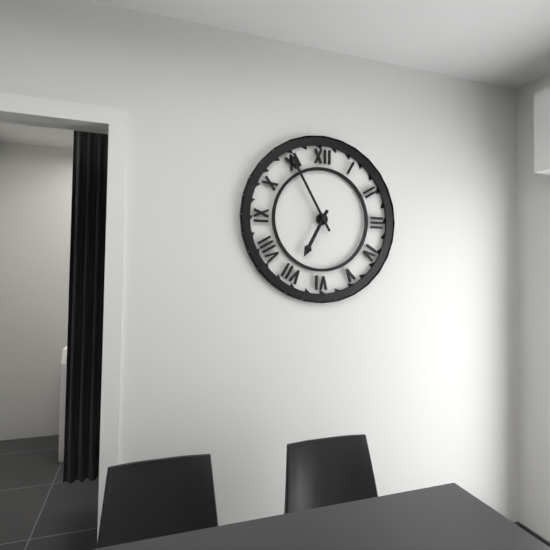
6:55
